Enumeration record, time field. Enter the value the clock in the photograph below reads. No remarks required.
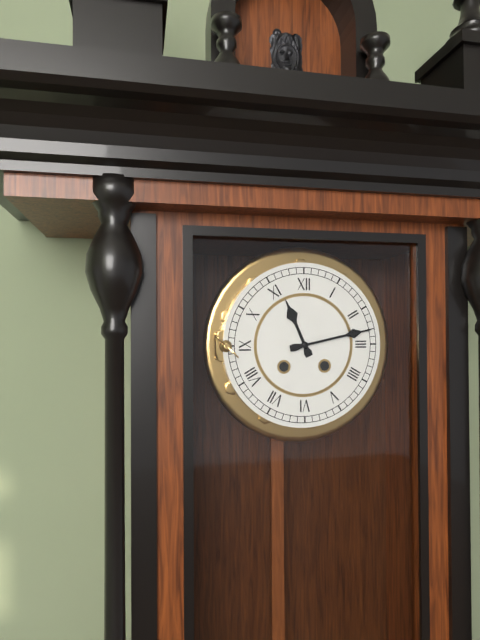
11:13
